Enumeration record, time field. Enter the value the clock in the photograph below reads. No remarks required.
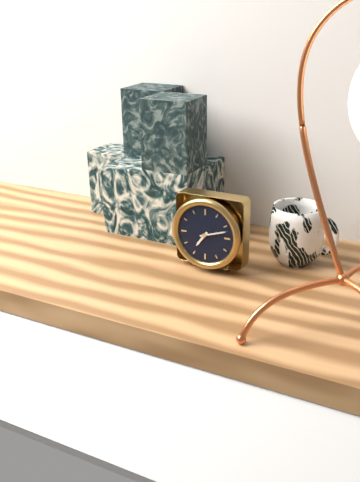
7:12
